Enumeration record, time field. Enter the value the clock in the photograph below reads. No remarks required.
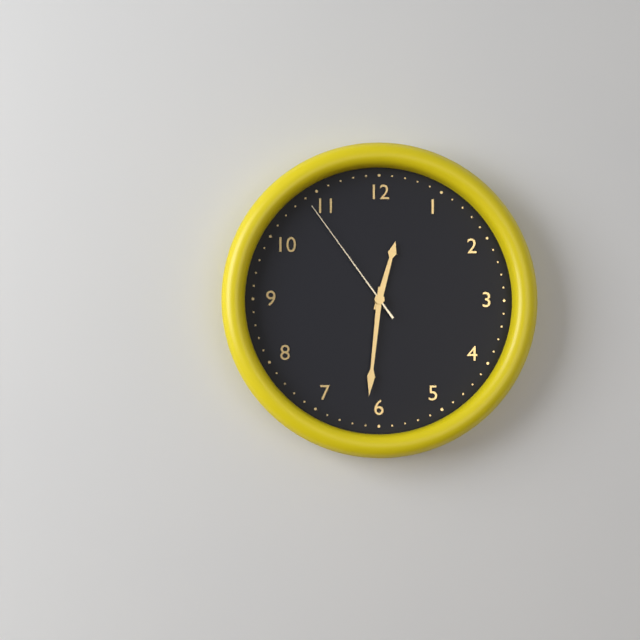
12:31:54
